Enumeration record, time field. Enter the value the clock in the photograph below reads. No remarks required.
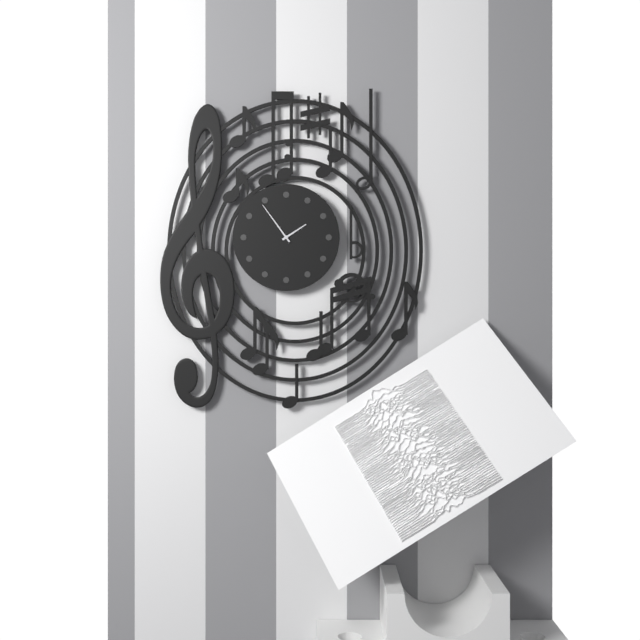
1:54
